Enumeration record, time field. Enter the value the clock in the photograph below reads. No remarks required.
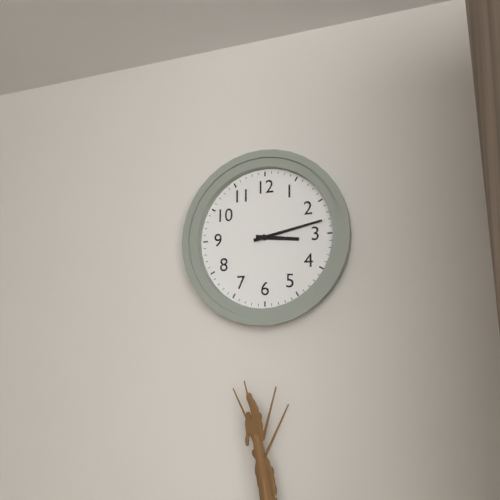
3:13
